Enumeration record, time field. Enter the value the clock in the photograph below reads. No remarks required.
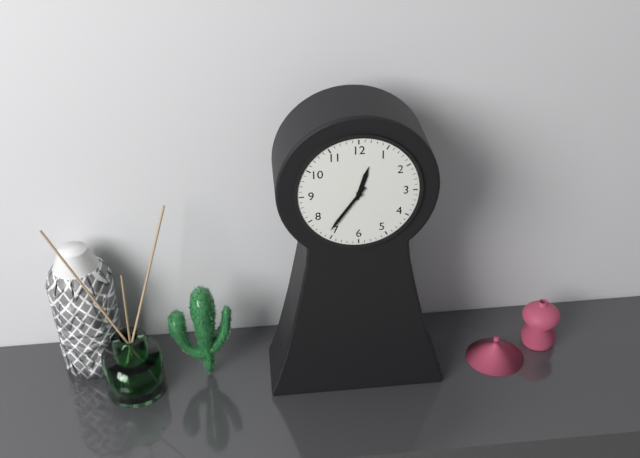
12:36
